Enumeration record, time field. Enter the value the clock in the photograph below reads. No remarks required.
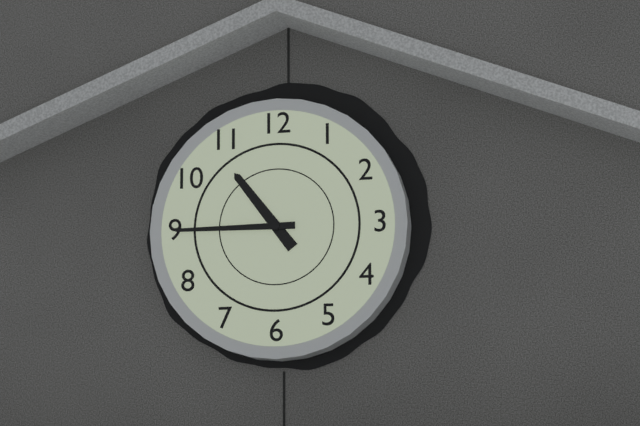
10:45
